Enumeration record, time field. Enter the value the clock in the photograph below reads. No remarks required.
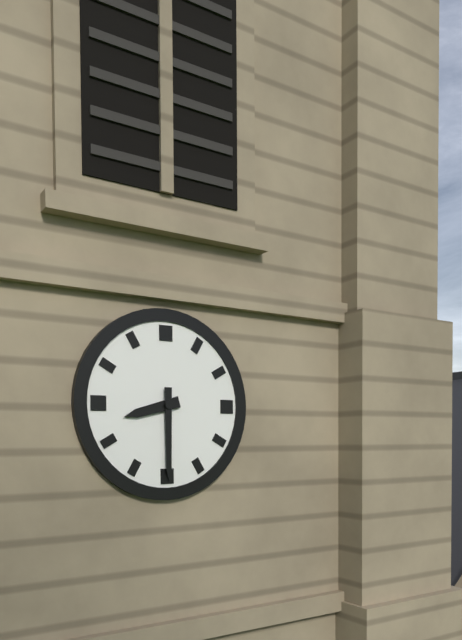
8:30
